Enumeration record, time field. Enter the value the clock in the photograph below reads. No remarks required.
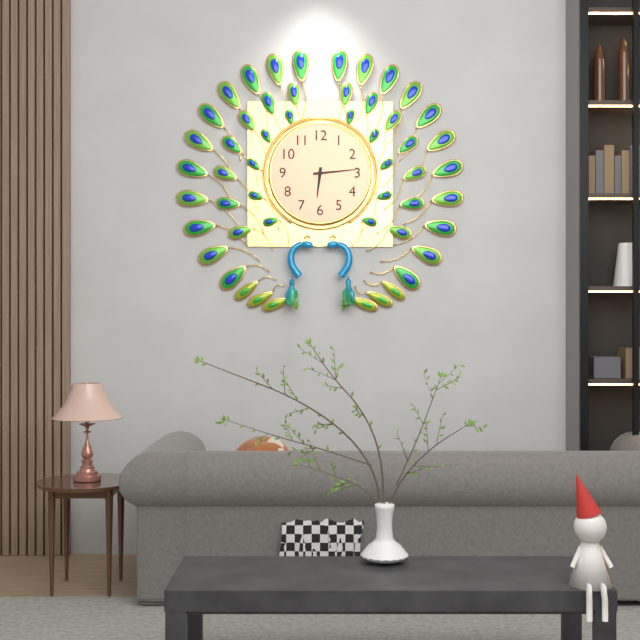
6:14
